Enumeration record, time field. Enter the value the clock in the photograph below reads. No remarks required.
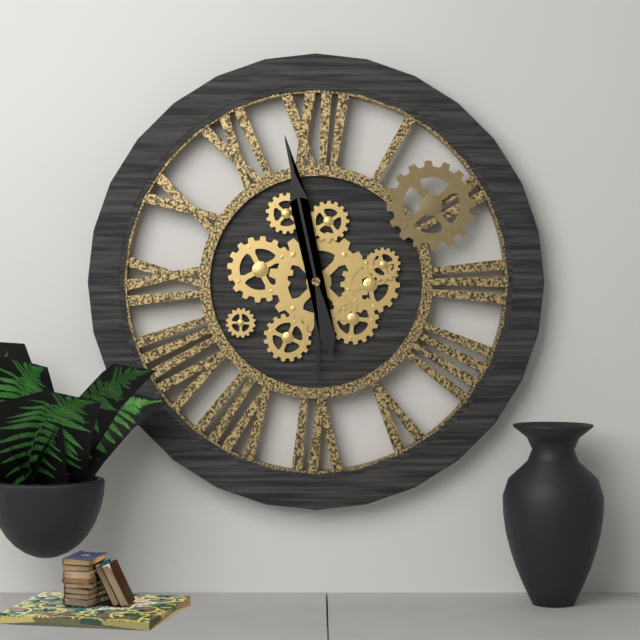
5:58
